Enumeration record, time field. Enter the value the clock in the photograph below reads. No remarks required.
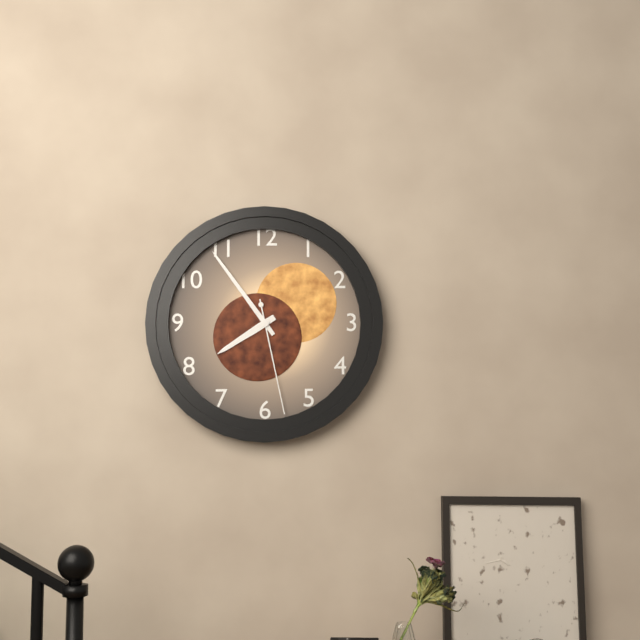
7:54:28
